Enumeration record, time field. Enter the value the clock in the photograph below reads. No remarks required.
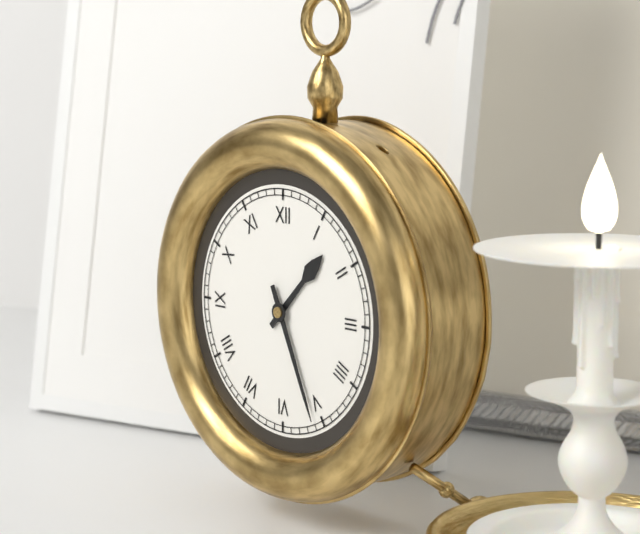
1:26
